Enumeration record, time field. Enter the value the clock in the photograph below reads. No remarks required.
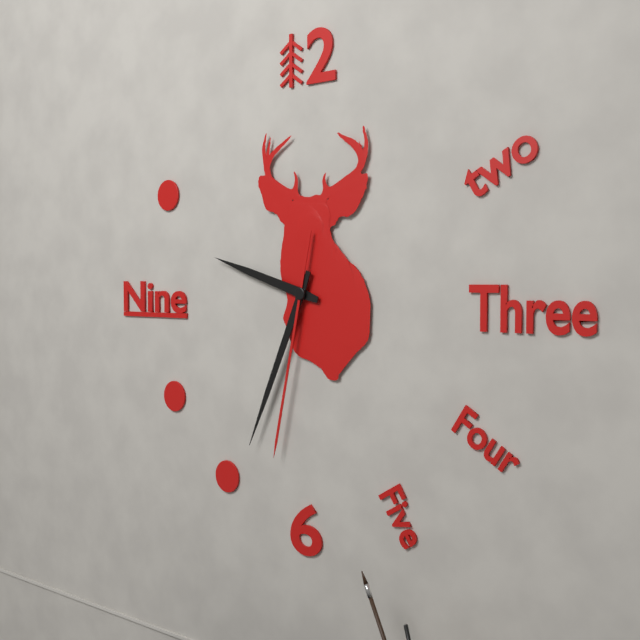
9:34:32
